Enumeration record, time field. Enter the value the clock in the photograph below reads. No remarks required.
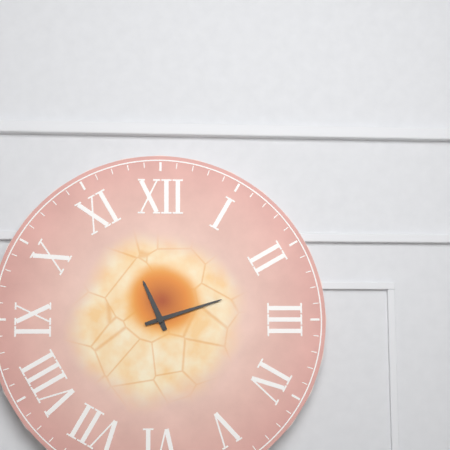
11:12
